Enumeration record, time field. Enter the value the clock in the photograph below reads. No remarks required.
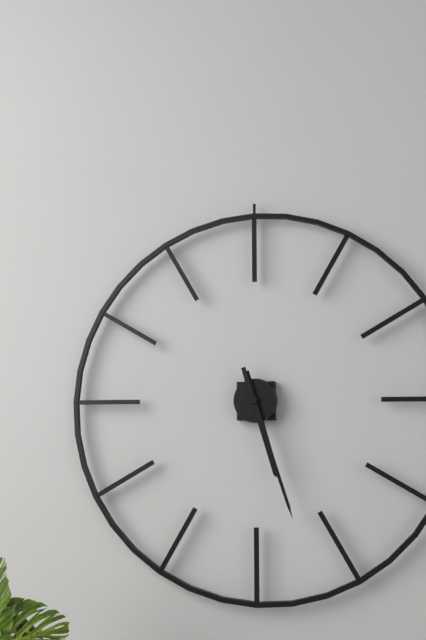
5:27
